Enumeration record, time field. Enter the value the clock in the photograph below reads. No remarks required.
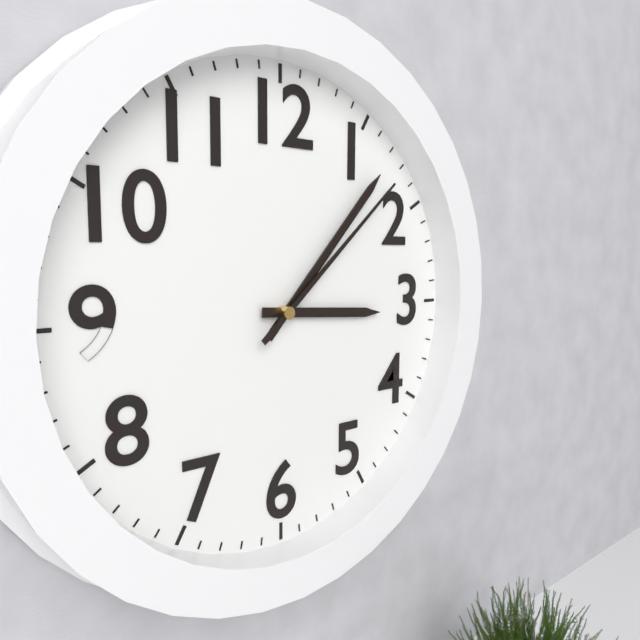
3:07:08
